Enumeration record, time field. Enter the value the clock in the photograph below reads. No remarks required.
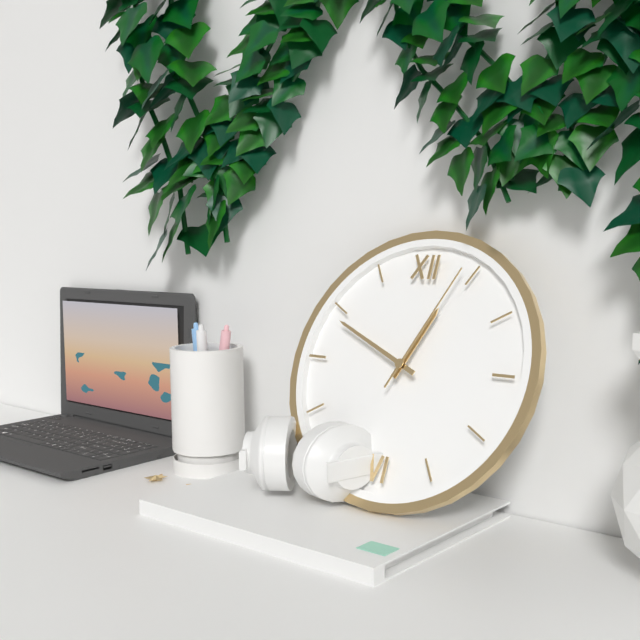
12:49:04
